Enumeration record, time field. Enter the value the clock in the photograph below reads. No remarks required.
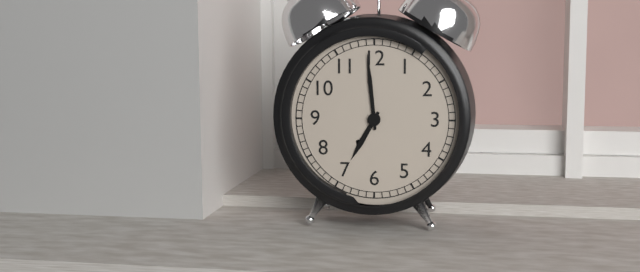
6:59
